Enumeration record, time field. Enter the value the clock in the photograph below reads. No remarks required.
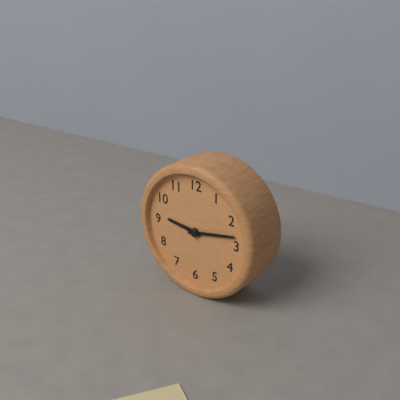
9:13
